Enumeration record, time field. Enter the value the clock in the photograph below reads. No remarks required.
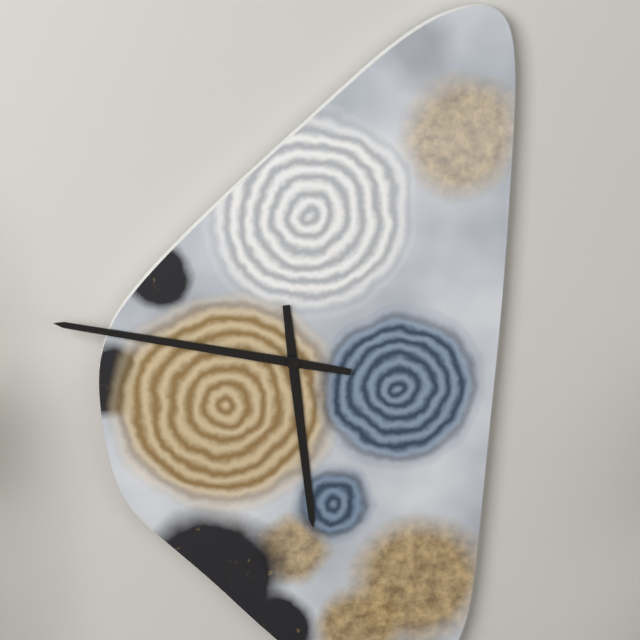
5:47
